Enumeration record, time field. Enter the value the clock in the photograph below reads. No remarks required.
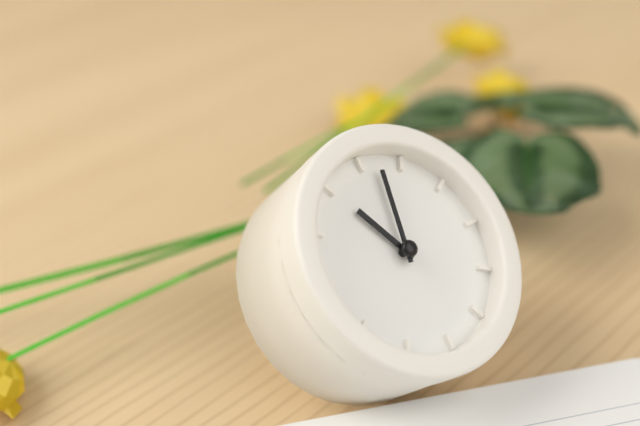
11:02
